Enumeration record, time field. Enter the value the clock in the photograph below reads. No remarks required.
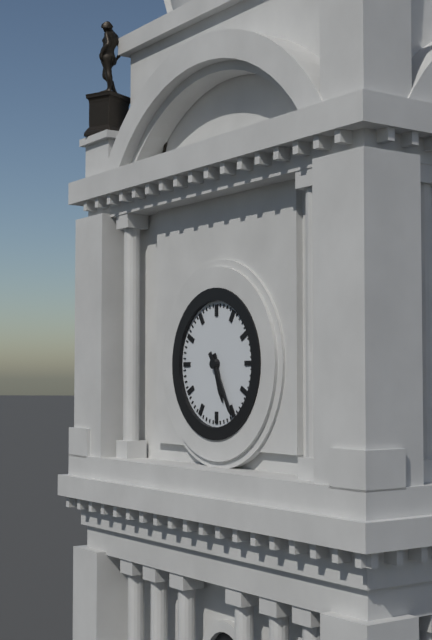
5:25
